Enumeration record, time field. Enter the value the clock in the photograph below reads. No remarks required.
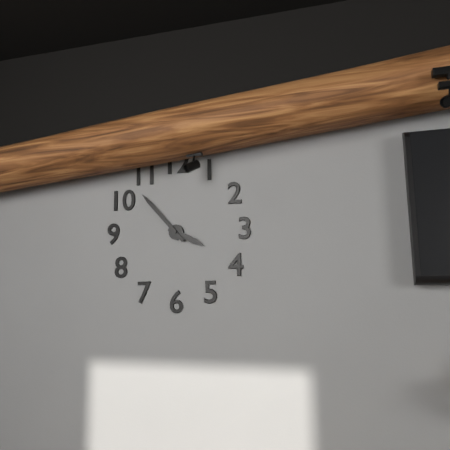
3:53
